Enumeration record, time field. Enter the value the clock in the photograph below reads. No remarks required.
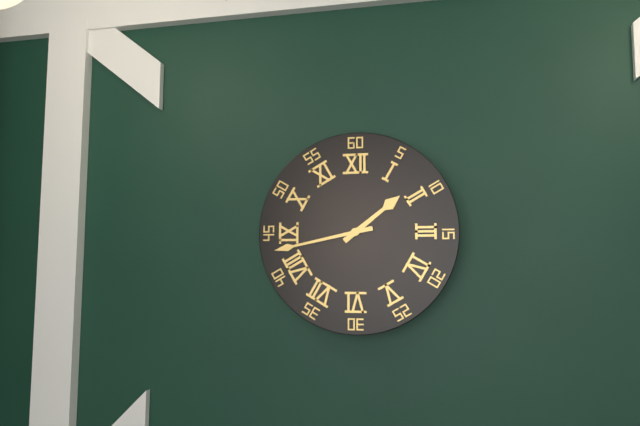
1:43
